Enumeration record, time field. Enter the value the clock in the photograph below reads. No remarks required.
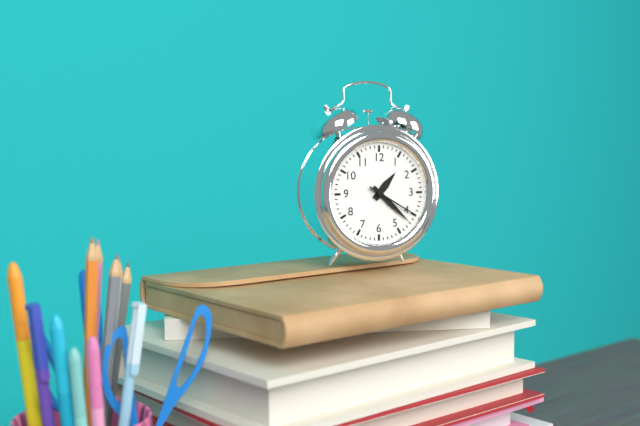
1:22:20
